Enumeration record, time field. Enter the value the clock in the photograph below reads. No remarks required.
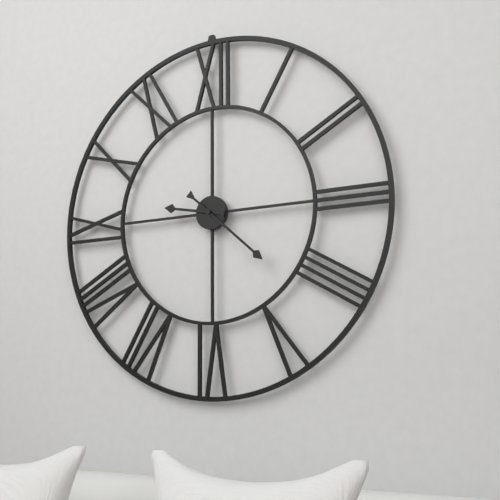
9:22
